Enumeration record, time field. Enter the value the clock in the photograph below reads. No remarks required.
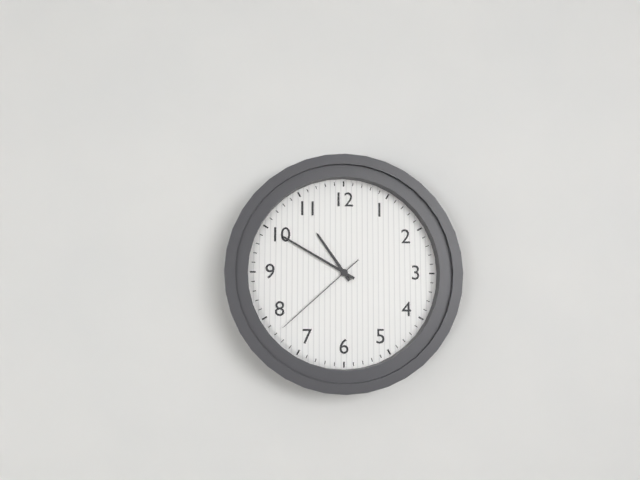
10:50:38
